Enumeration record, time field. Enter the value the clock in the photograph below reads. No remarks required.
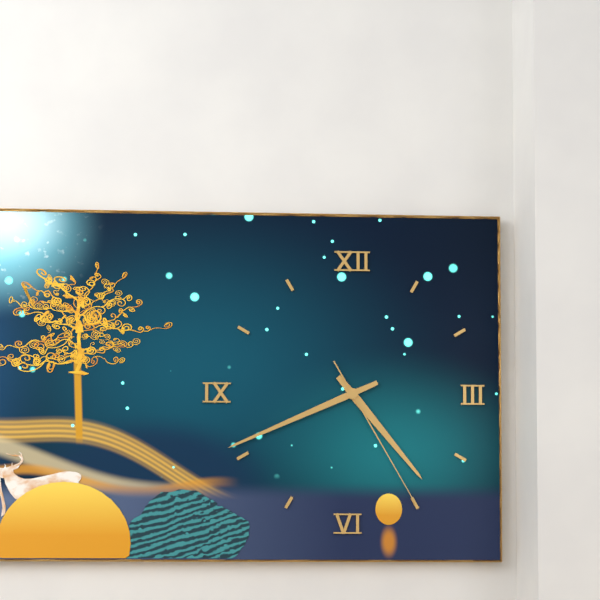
4:41:25
